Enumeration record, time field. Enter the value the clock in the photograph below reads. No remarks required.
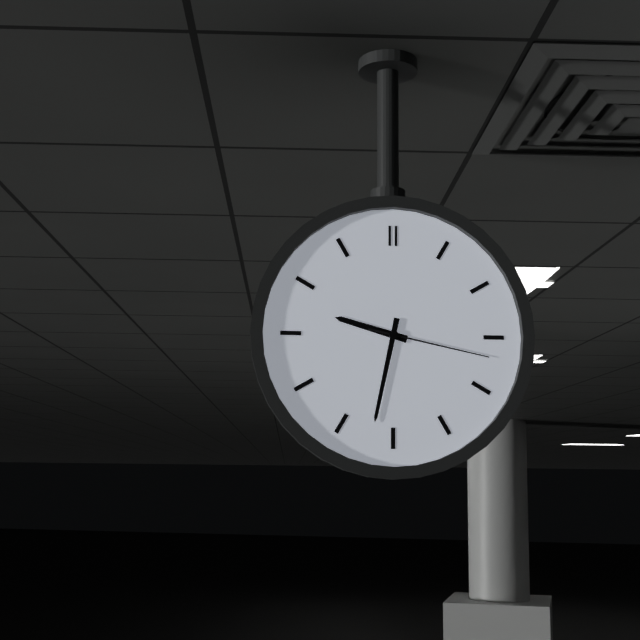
9:32:17
